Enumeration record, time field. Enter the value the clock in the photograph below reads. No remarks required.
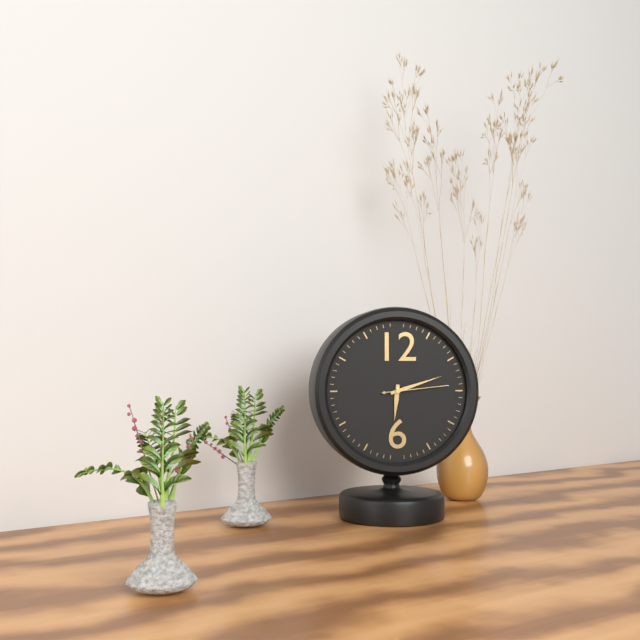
6:12:14
